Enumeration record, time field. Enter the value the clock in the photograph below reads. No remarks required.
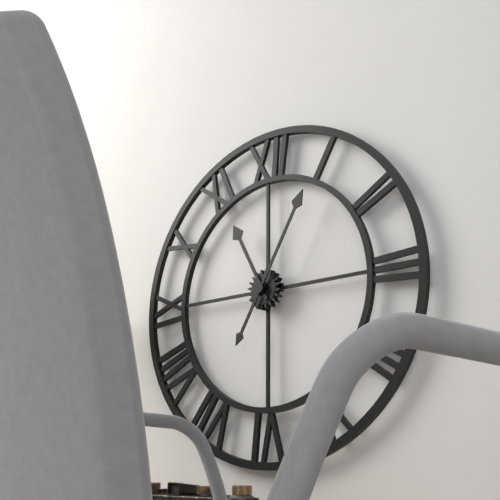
11:05
